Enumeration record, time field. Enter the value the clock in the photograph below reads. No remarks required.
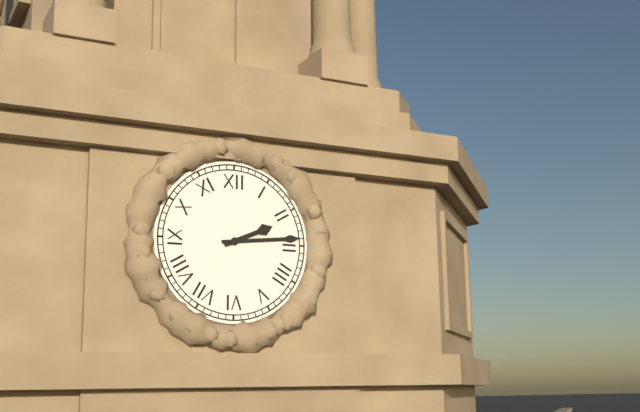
2:14
